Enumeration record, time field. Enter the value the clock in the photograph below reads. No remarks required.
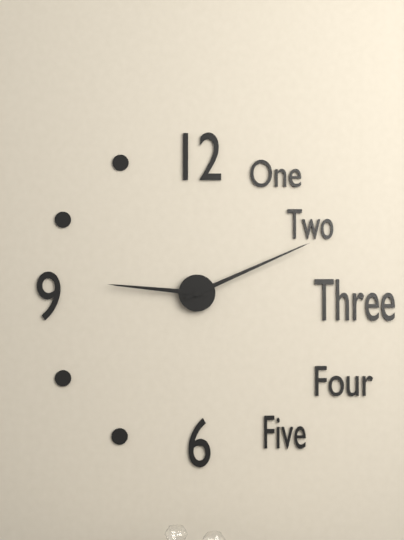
9:11
